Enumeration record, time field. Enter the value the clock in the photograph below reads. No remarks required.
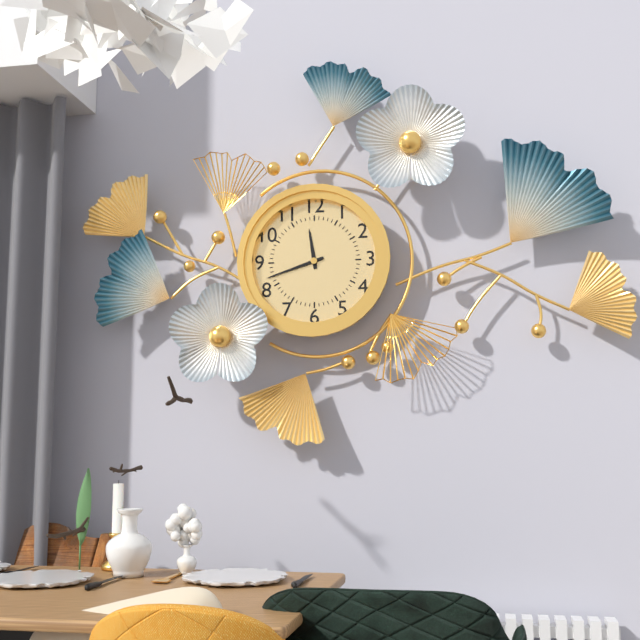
11:42
